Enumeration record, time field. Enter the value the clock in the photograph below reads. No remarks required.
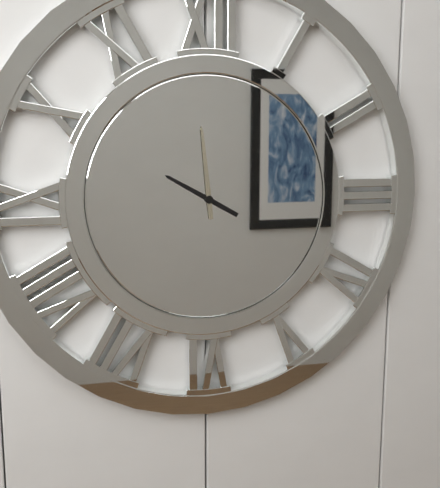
9:59
